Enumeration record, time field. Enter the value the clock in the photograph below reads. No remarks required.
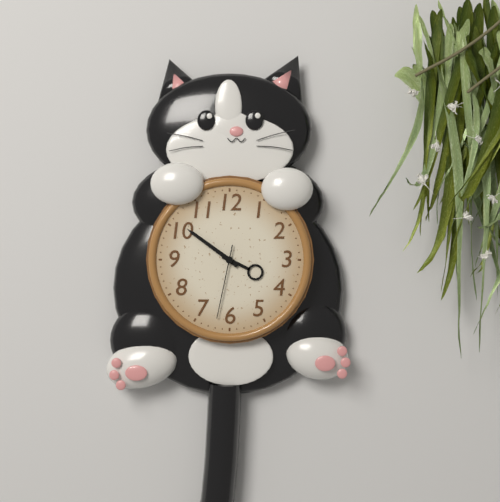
3:51:32
